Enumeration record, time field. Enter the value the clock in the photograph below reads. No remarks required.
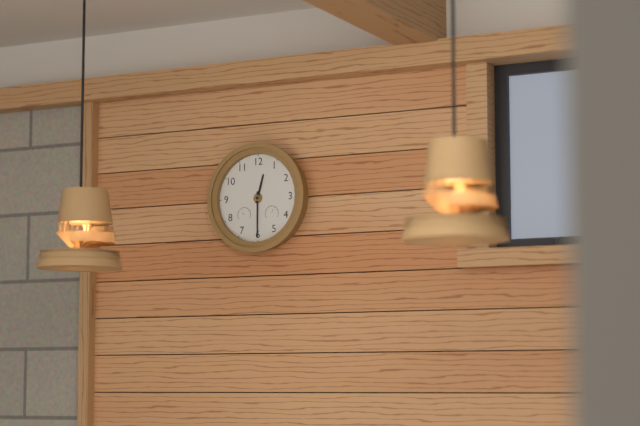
12:30
